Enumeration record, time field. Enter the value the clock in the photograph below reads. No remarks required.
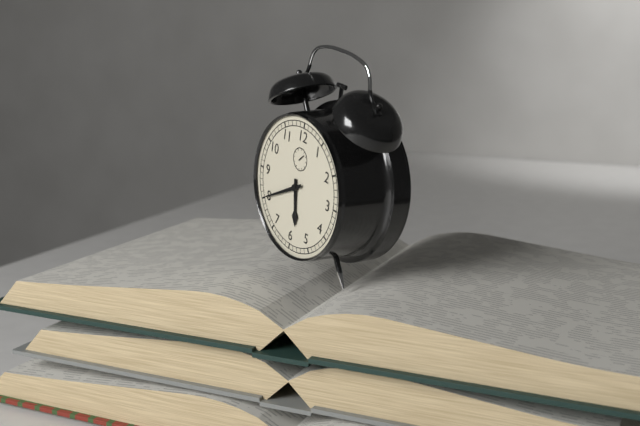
5:40
